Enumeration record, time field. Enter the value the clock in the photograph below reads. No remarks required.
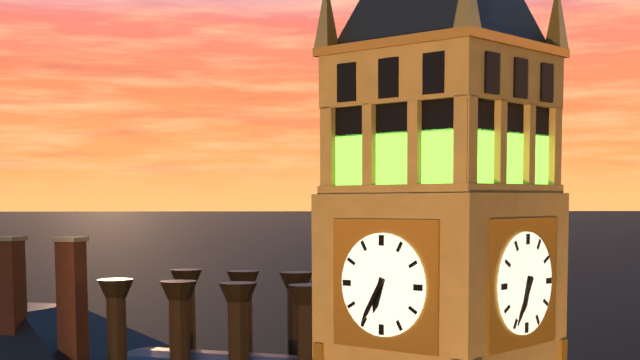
6:35
